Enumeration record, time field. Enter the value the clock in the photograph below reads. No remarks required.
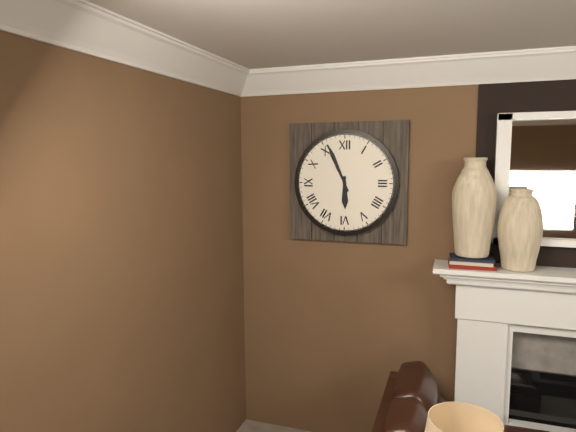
5:56
